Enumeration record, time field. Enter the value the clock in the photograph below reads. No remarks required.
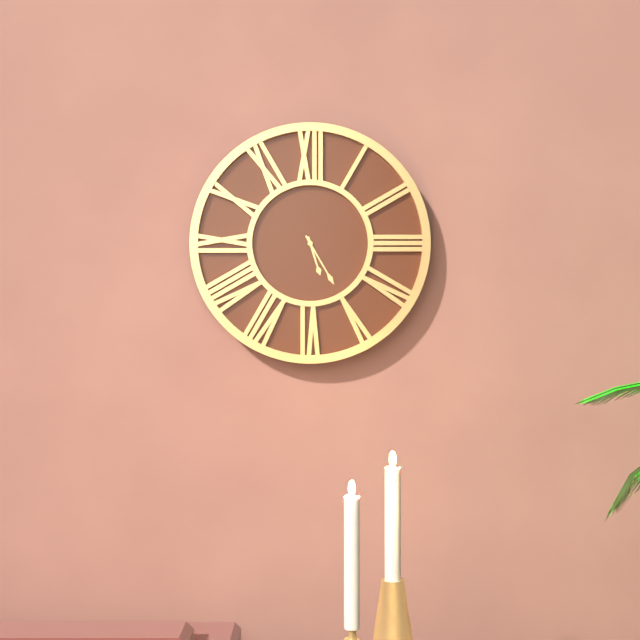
5:25
